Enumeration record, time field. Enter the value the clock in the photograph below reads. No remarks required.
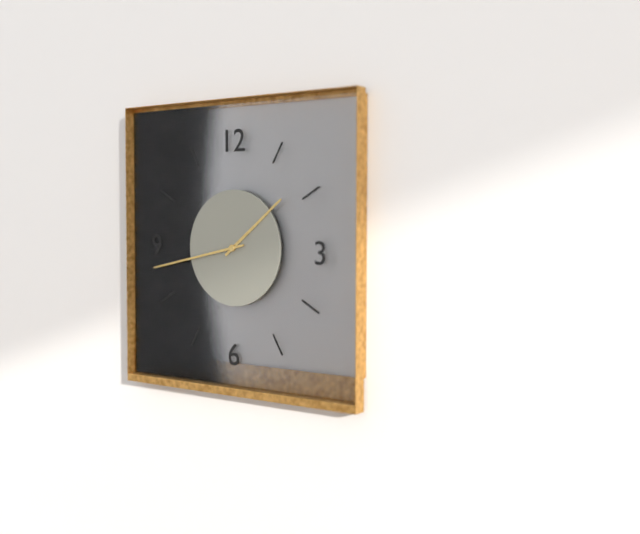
1:43
